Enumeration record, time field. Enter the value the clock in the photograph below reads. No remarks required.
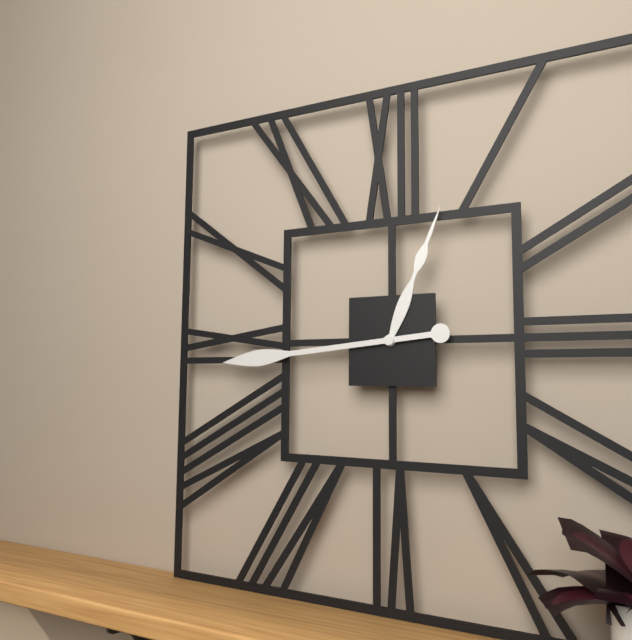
12:44
